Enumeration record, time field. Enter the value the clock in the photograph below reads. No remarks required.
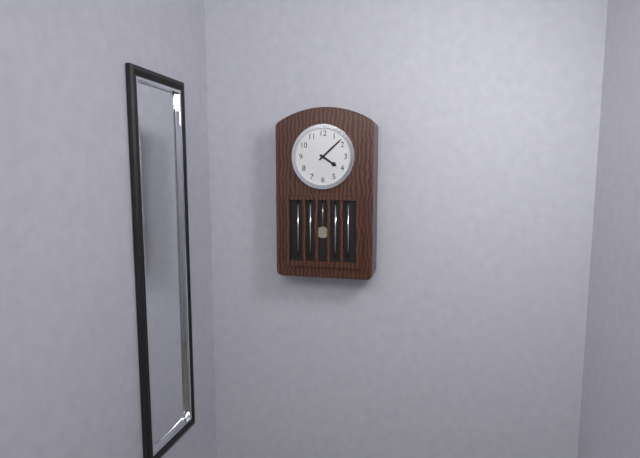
4:08
